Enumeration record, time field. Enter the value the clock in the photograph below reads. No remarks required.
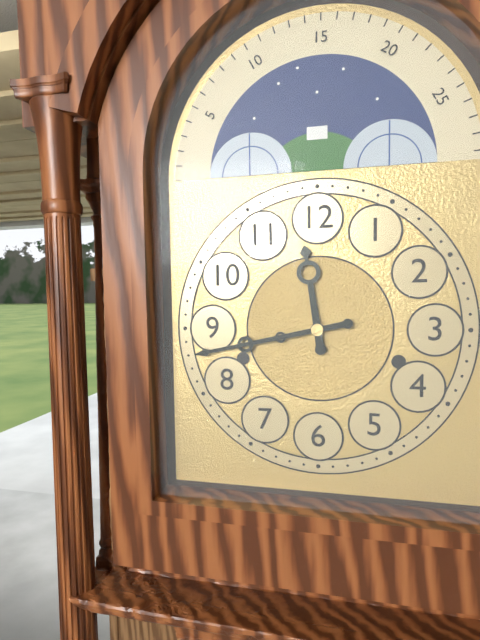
11:43
